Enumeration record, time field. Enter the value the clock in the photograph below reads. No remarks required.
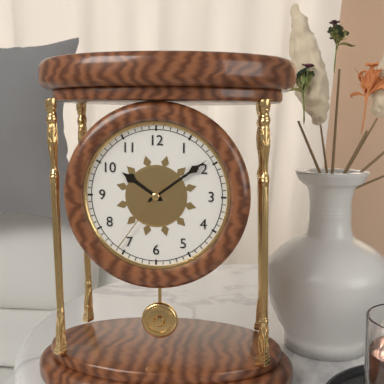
10:09:36
